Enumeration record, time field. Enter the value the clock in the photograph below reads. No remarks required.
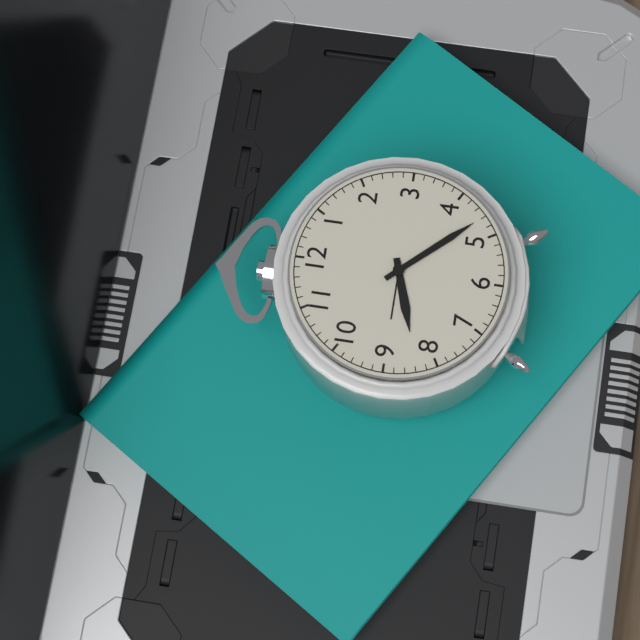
8:23
